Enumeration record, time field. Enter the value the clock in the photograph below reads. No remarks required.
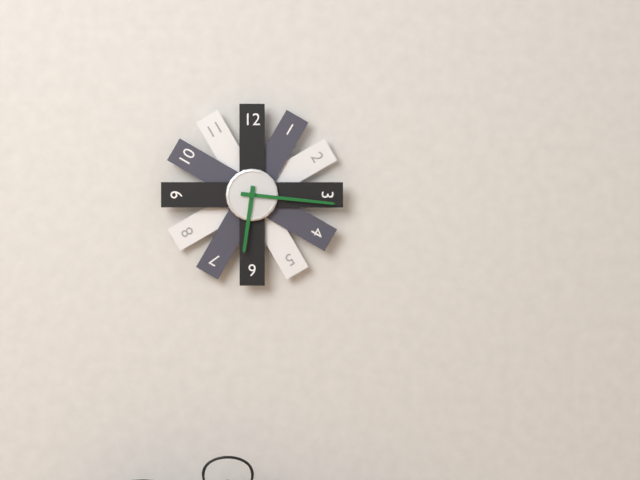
6:16
